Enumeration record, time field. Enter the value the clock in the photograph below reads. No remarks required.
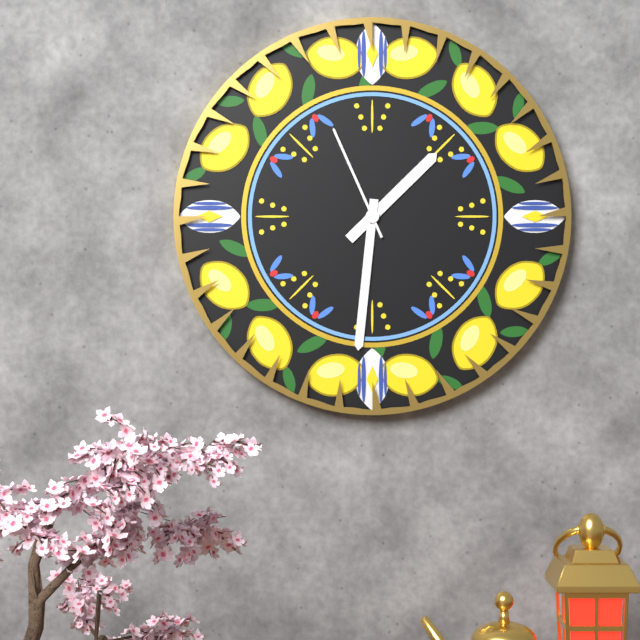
1:31:56
